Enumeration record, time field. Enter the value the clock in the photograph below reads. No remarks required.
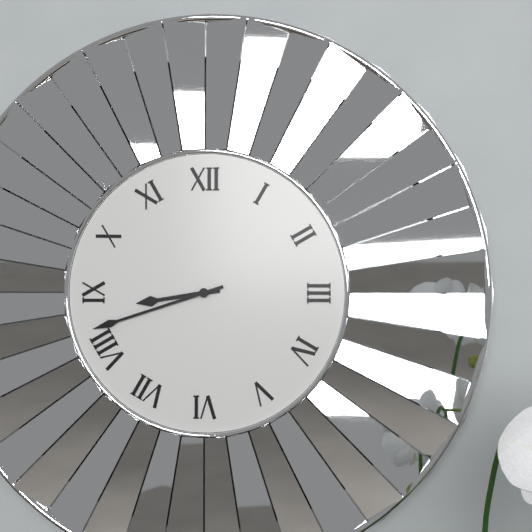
8:42
